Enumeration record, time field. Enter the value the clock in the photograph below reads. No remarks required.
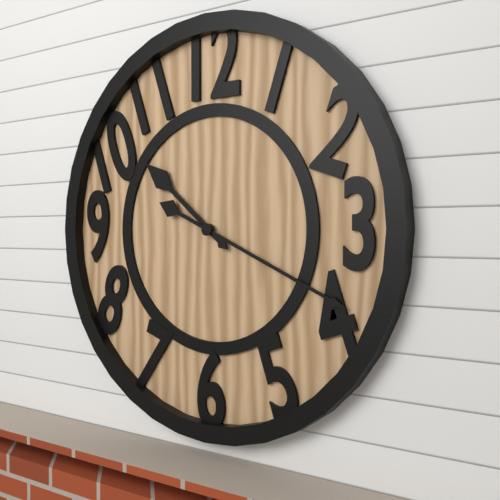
10:19
